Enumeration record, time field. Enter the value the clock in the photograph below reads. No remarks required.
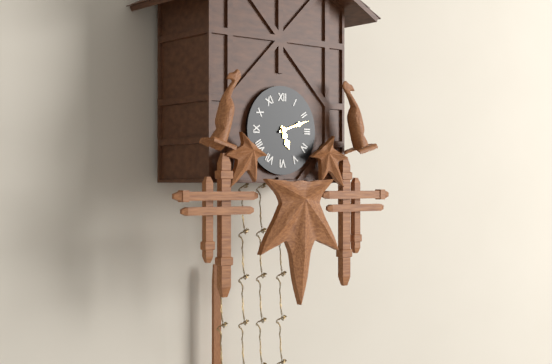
5:12
